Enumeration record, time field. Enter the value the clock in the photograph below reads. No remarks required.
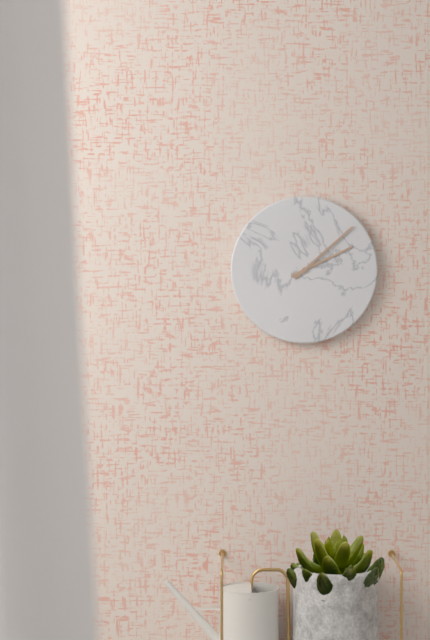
2:08
